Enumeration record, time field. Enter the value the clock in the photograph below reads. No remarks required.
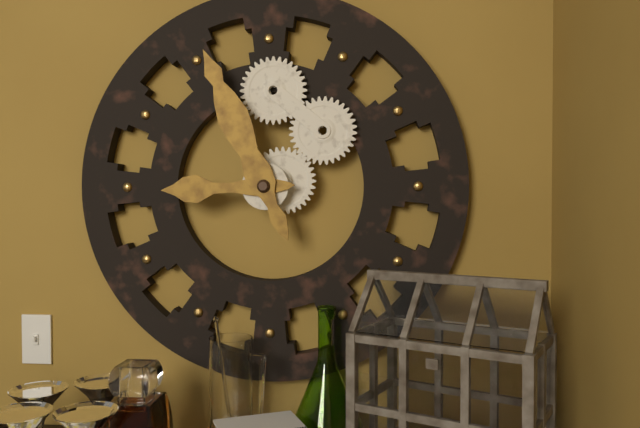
8:56
